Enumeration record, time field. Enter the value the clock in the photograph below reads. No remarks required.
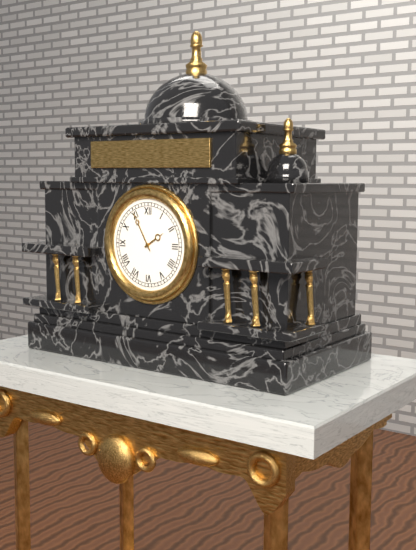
1:55
